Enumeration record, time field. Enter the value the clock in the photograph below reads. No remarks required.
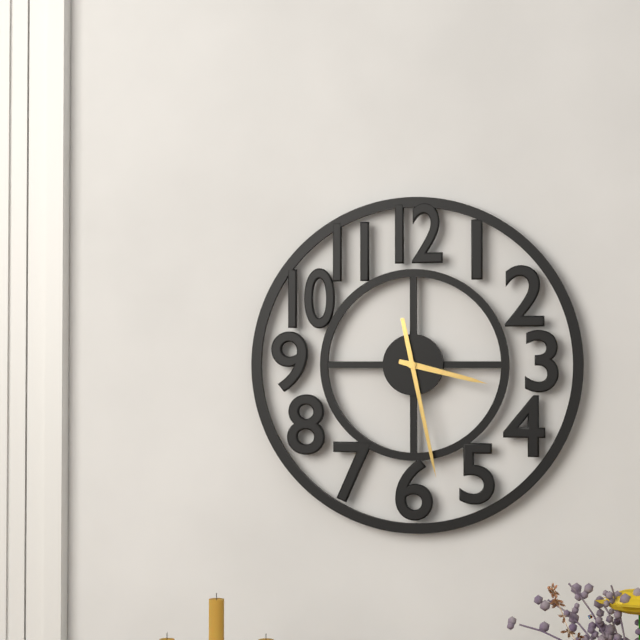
3:28
